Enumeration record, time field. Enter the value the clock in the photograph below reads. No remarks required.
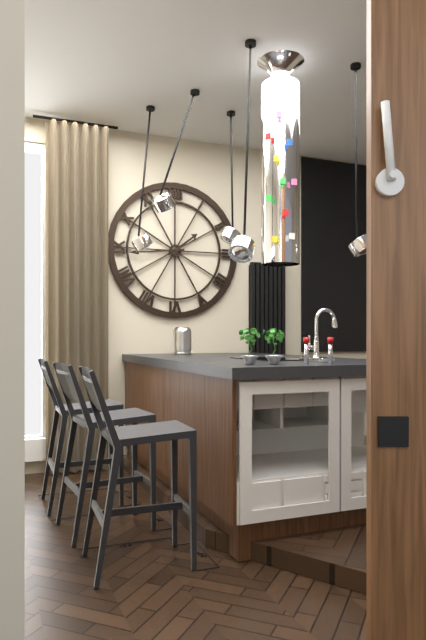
1:44
